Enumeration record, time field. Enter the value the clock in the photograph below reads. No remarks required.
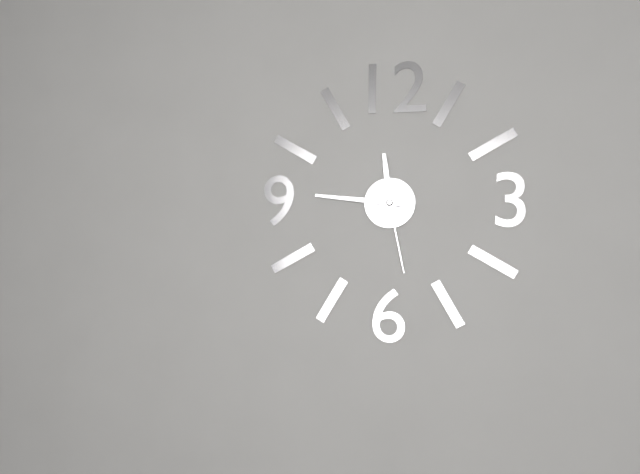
11:46:28
